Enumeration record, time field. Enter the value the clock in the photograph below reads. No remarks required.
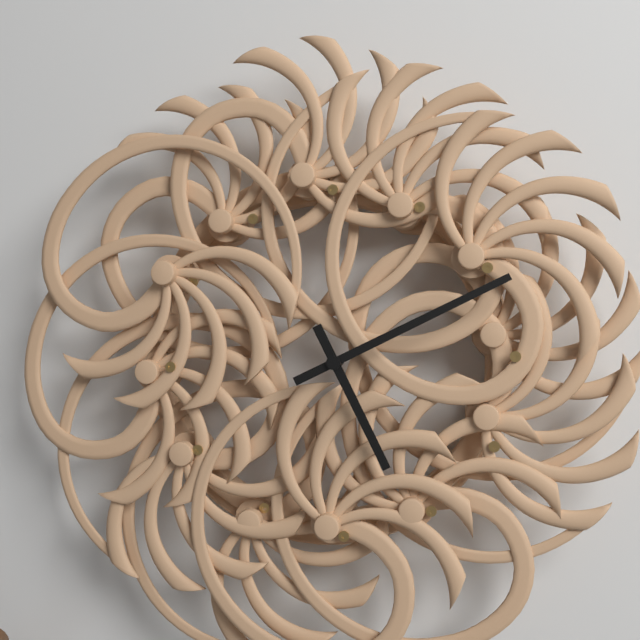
5:11
